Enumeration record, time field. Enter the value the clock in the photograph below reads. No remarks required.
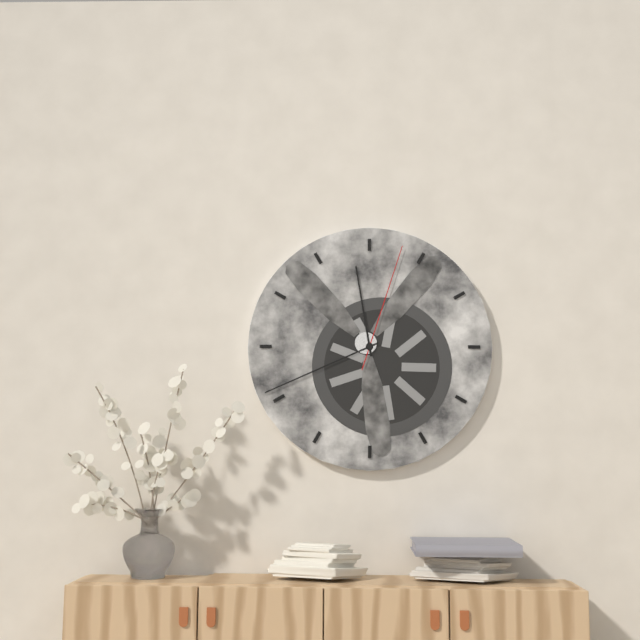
11:41:03
